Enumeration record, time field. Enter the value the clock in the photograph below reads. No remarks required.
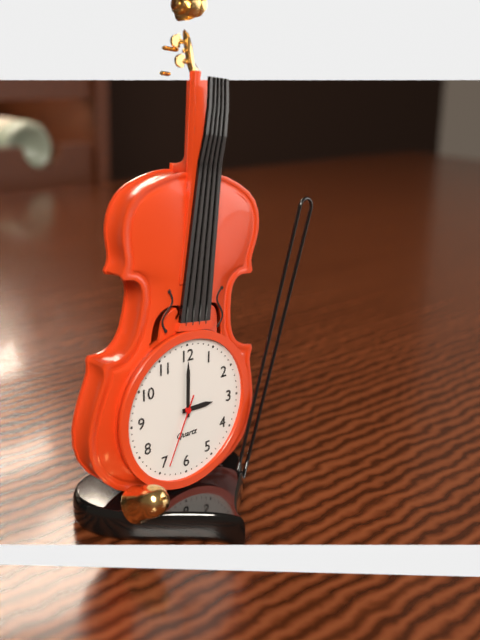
3:00:34
